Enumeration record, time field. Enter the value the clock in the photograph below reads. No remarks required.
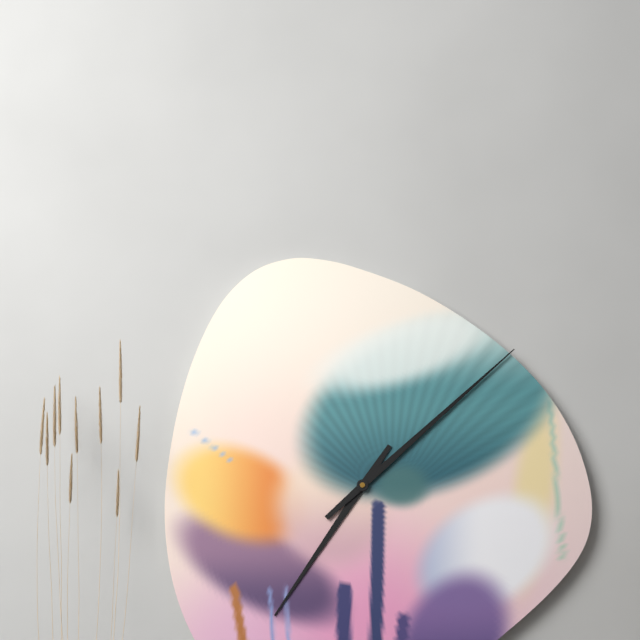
7:08
